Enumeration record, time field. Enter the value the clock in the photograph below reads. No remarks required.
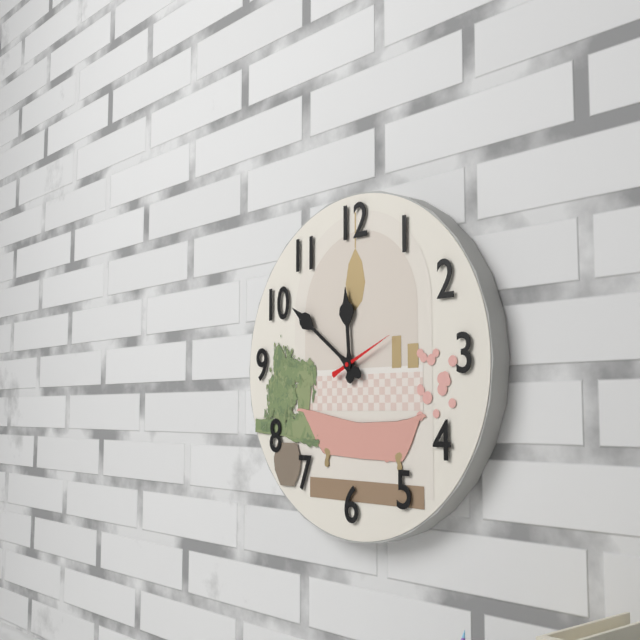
11:51:11
